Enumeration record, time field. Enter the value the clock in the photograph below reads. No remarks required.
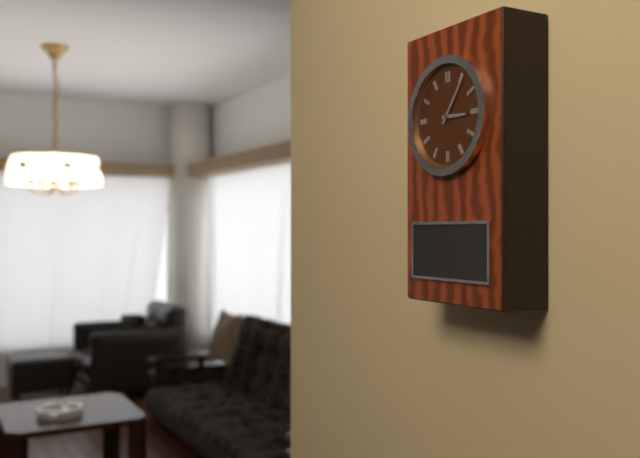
3:06
